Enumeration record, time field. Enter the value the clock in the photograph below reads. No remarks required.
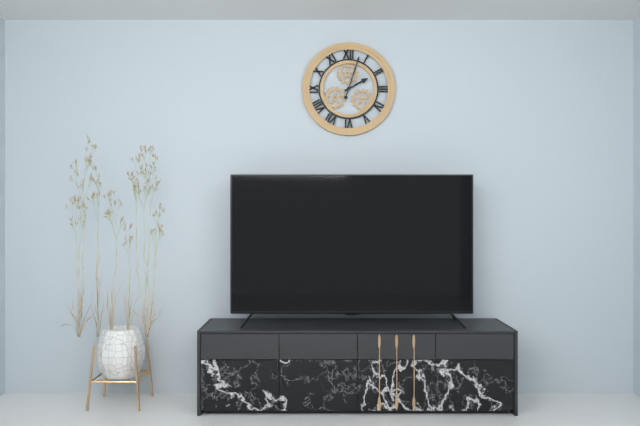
2:03
